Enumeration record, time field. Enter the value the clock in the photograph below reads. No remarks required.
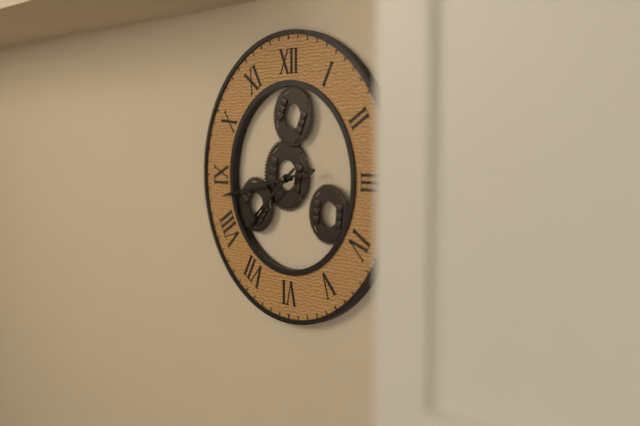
7:43
